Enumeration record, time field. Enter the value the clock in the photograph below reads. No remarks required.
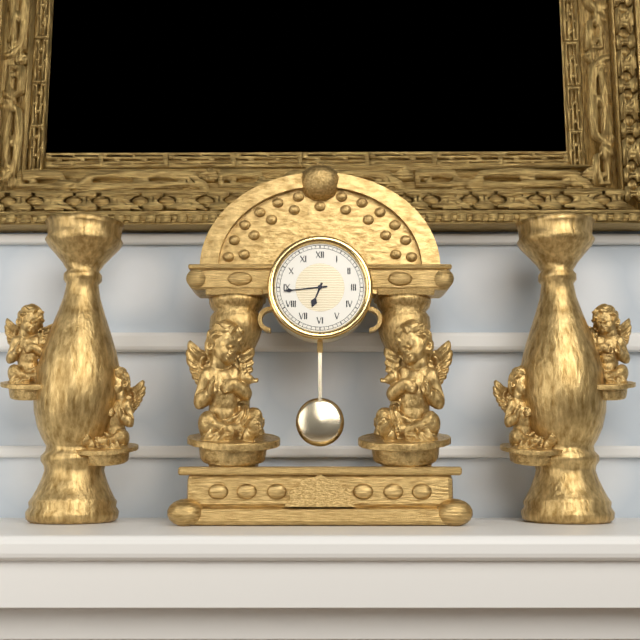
6:44
